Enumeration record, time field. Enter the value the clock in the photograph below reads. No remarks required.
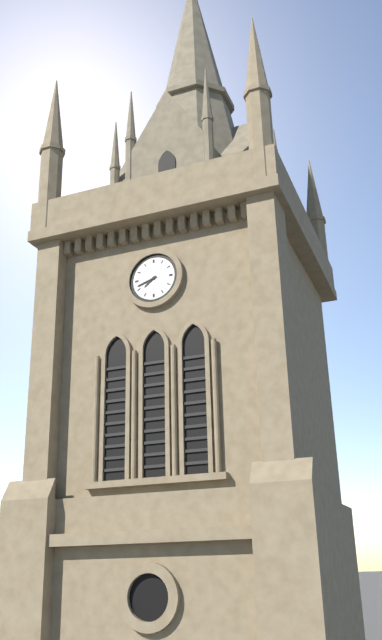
7:42
